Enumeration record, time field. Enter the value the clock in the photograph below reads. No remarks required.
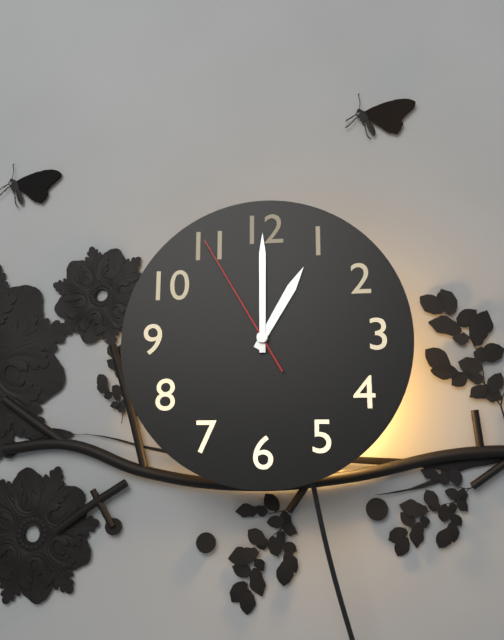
1:00:55
